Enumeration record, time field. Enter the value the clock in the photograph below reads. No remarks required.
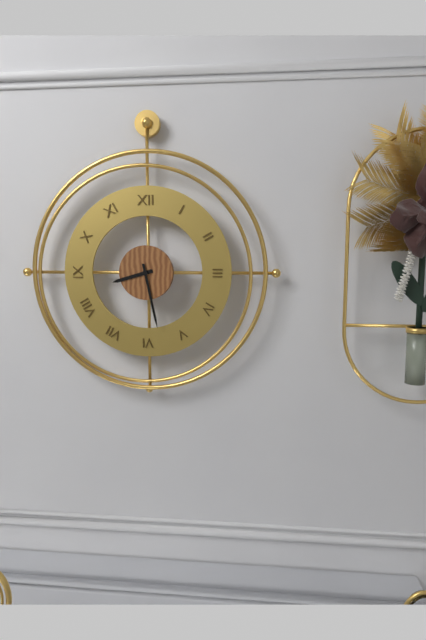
8:28
